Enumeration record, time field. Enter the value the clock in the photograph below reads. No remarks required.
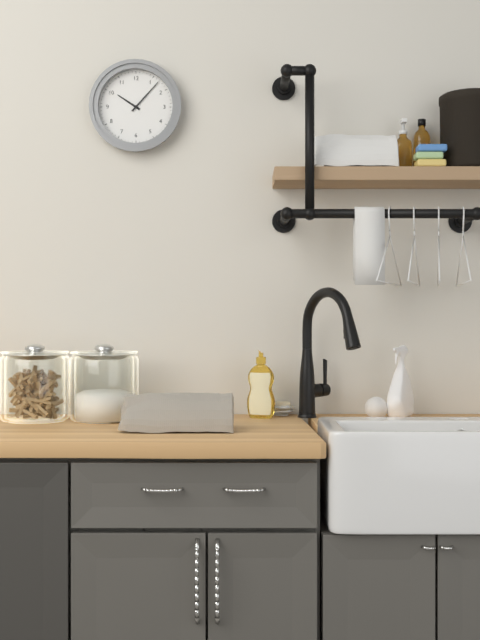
10:07
